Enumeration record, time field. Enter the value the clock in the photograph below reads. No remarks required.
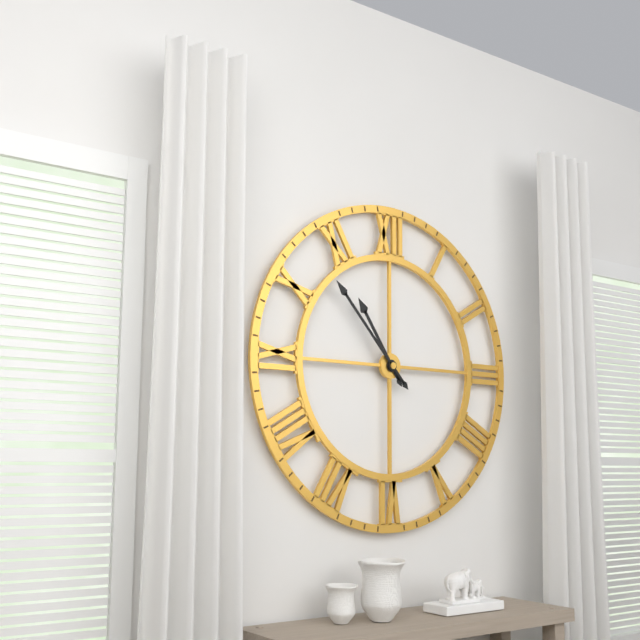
10:53
